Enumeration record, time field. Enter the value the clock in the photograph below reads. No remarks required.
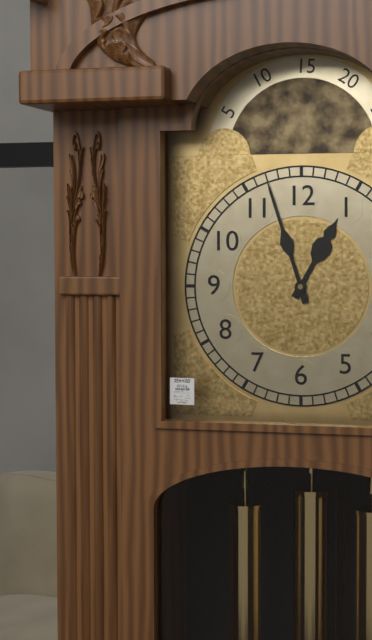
12:57
